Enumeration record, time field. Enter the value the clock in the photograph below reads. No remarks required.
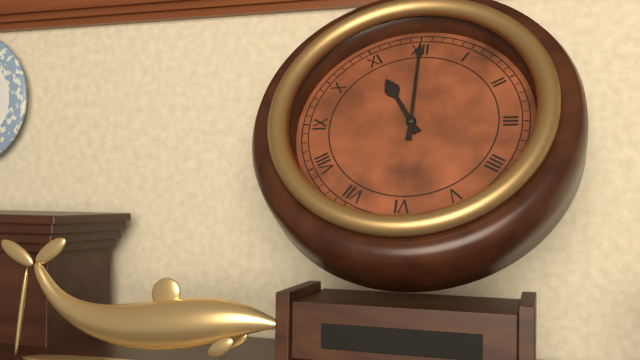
11:00
